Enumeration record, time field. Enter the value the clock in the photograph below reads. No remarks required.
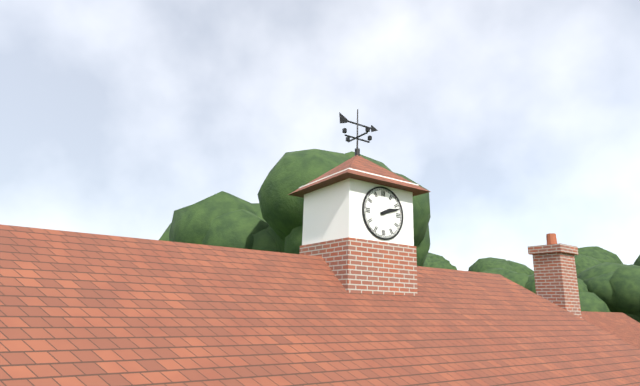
2:12
